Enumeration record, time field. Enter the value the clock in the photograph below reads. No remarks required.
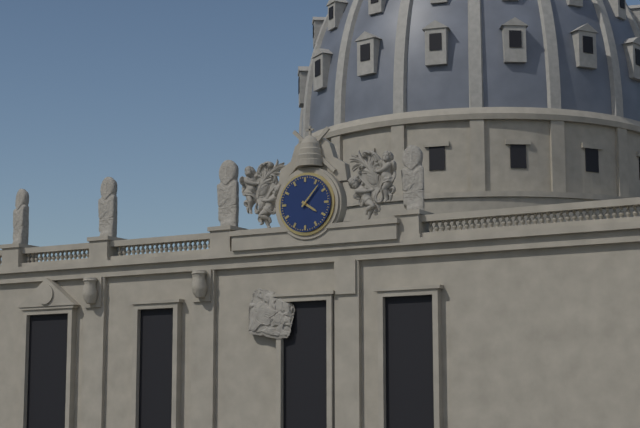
4:07
